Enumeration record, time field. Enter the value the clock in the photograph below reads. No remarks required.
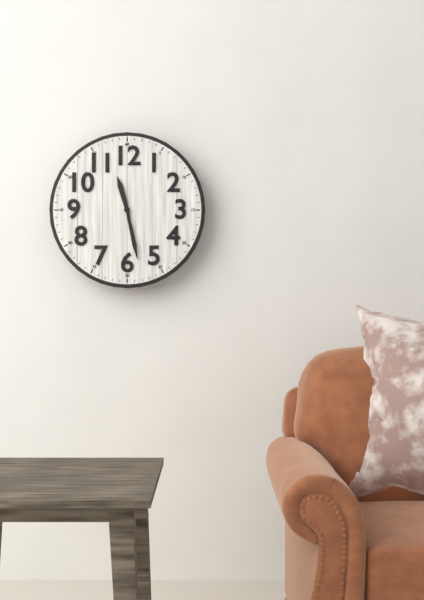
11:28
